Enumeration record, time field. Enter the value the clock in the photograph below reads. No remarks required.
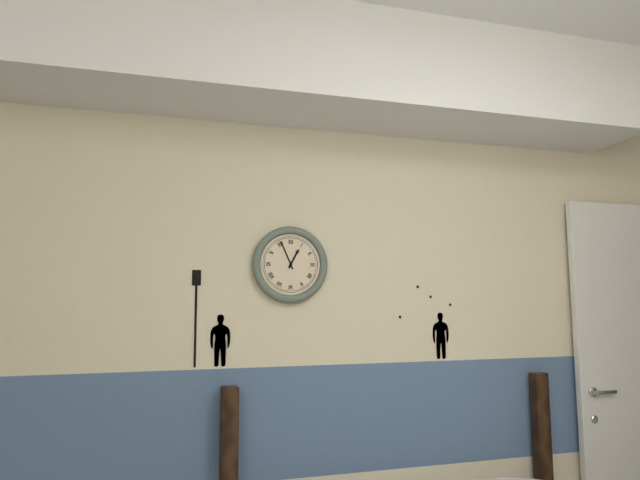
12:56
